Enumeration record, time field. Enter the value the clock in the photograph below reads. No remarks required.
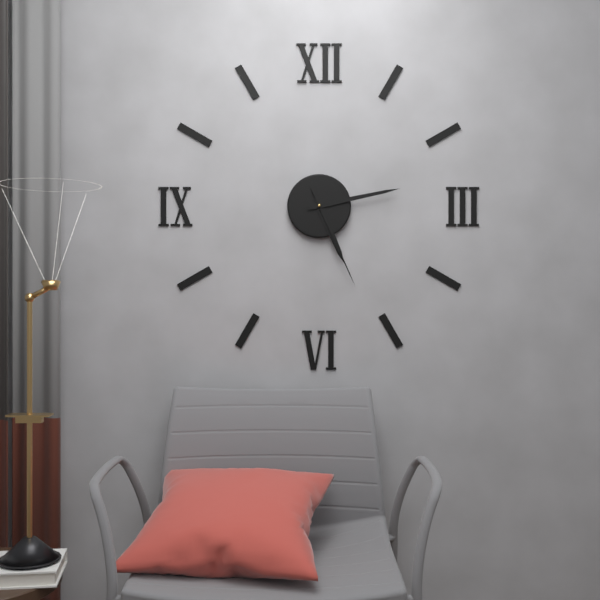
5:13:26
